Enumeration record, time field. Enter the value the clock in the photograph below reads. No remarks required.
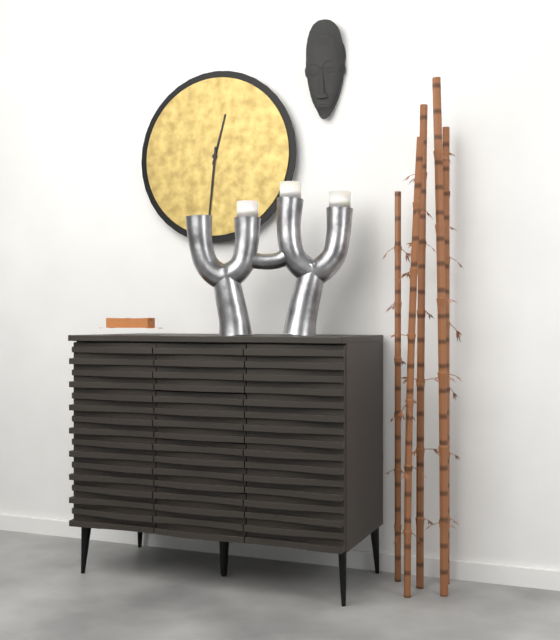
12:31
